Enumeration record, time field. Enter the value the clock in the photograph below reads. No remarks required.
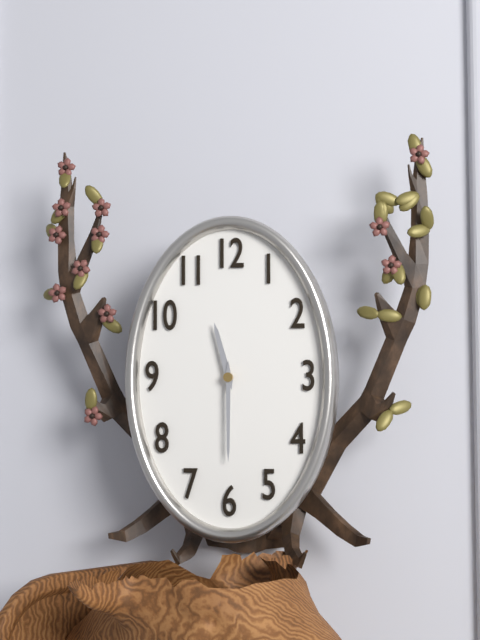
11:30
